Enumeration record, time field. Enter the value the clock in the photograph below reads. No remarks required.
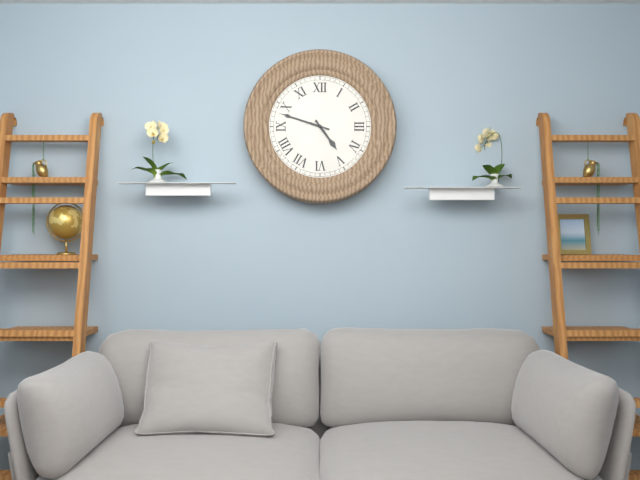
4:48
